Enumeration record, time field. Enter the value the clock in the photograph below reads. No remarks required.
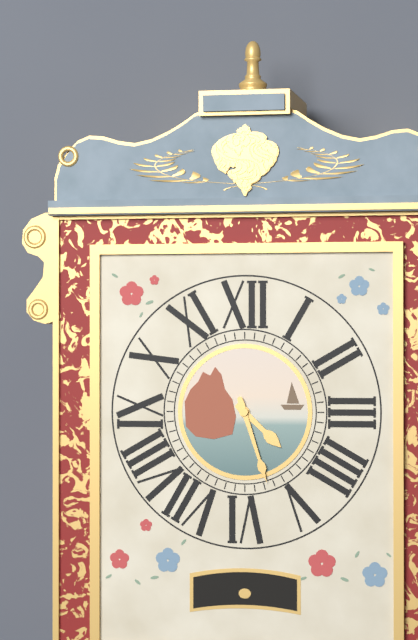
4:27
